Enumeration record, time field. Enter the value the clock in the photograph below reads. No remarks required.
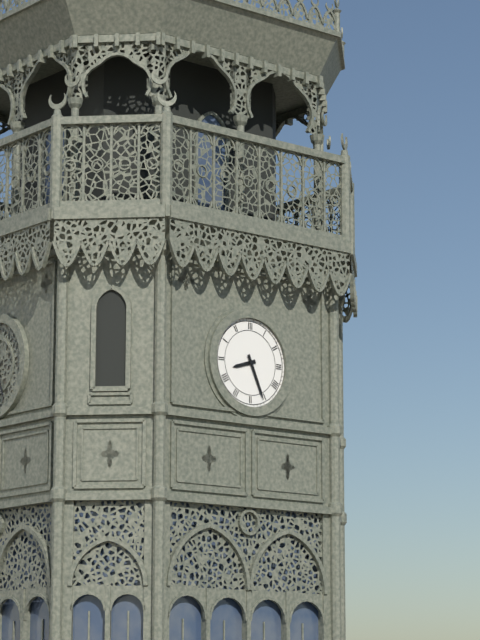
8:26
